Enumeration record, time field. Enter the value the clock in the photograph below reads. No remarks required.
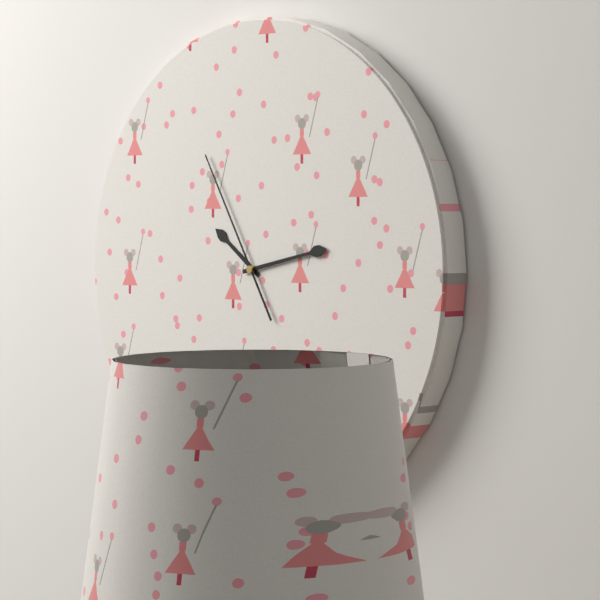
10:13:55
